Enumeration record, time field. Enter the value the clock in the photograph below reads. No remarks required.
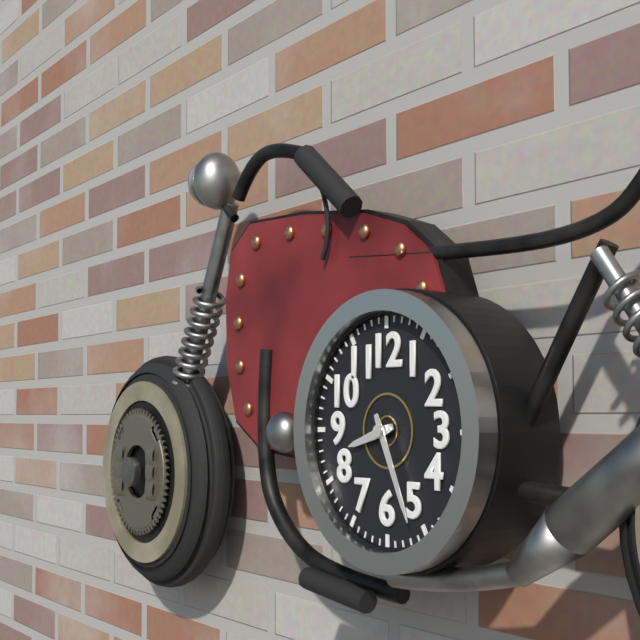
8:26
